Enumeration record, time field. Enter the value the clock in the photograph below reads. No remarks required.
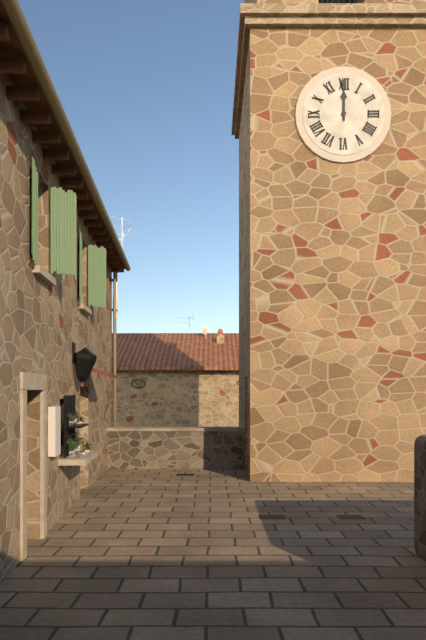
12:00
